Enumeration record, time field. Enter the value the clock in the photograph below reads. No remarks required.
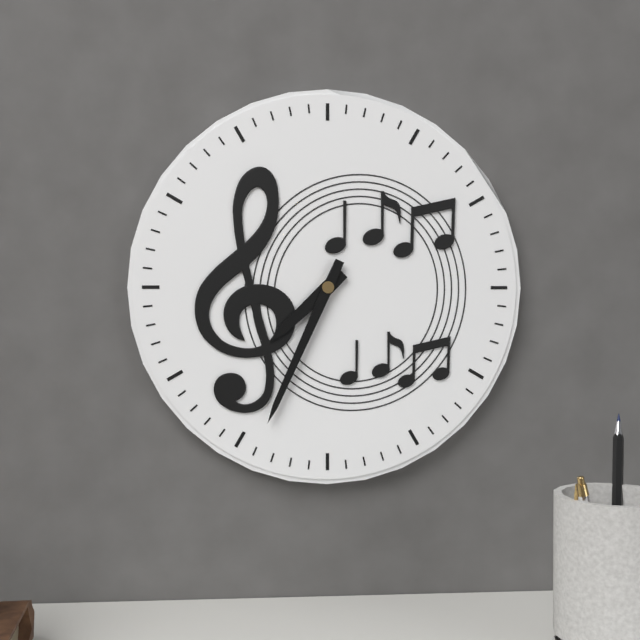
7:34
